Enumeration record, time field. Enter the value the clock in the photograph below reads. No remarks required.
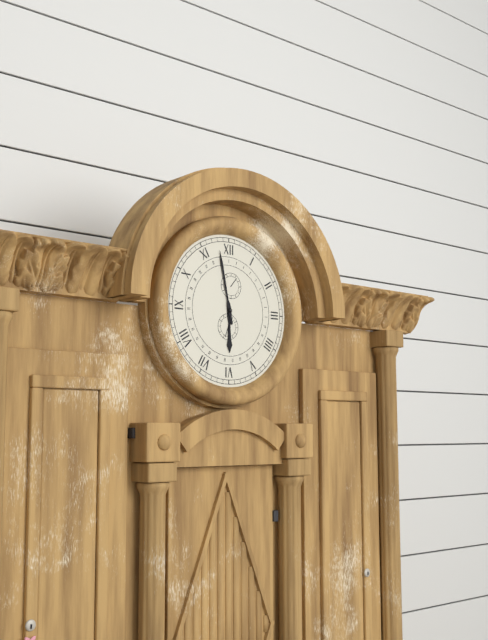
5:58
